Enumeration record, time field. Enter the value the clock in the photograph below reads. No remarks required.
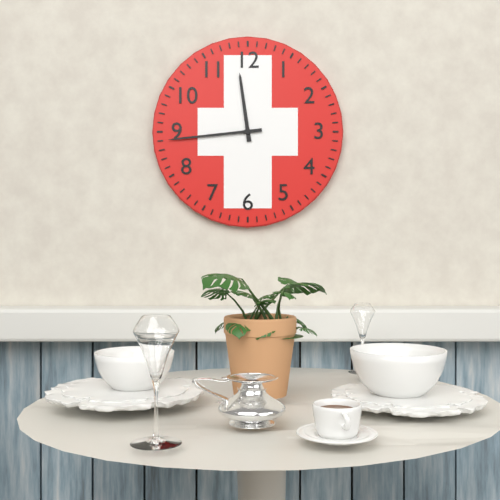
11:44
